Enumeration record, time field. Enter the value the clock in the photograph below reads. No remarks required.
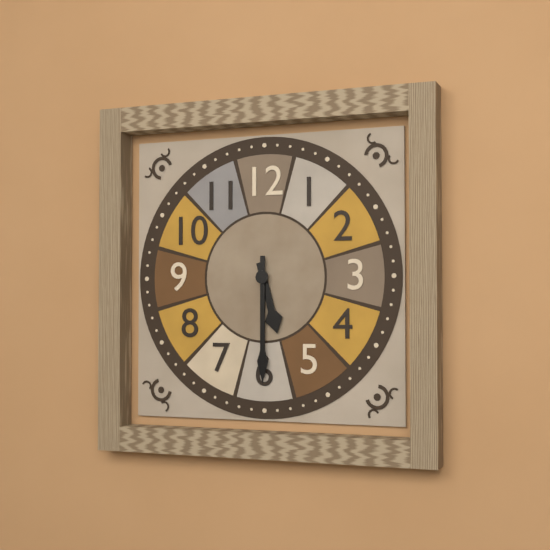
5:30
